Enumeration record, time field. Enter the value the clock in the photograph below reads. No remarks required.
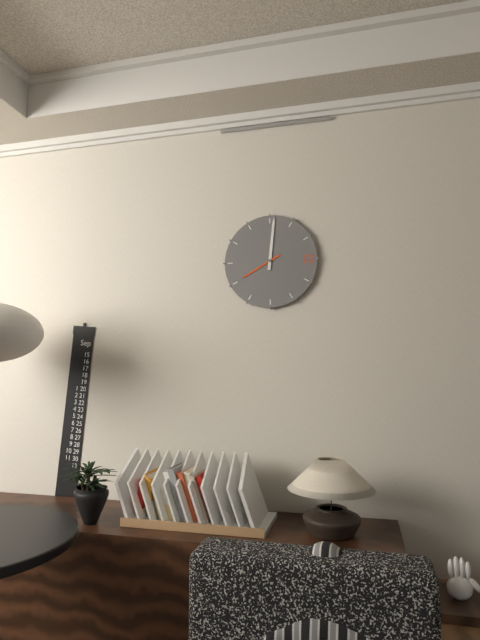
8:01
